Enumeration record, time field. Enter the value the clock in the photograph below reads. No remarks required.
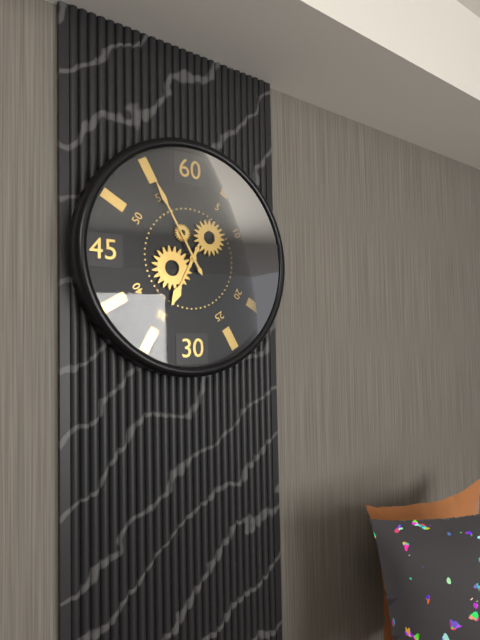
6:55
